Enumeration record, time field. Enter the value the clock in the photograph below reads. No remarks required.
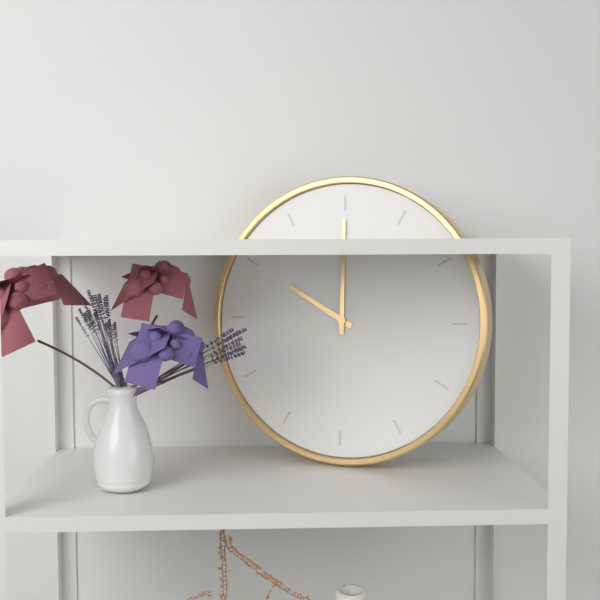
10:00
